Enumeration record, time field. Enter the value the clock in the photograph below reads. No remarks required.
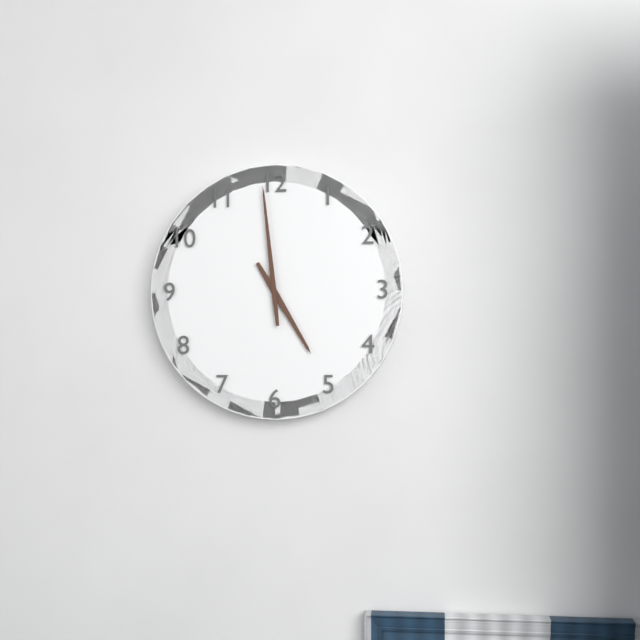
4:59
